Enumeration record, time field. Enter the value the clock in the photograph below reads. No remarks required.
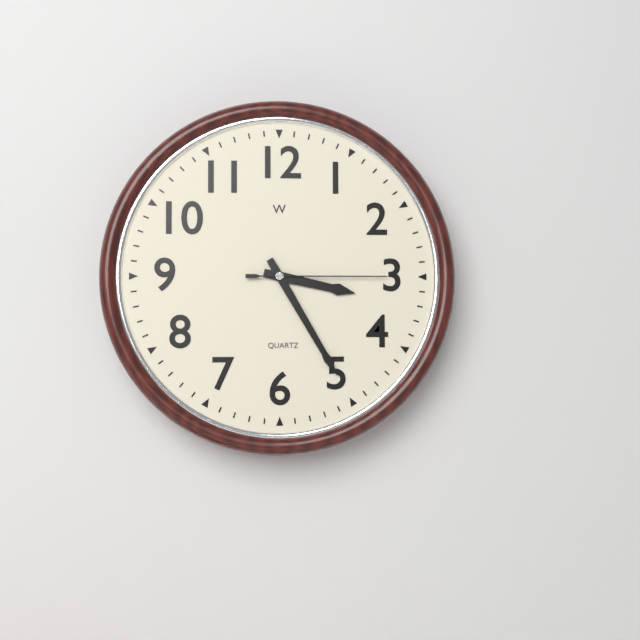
3:25:15
